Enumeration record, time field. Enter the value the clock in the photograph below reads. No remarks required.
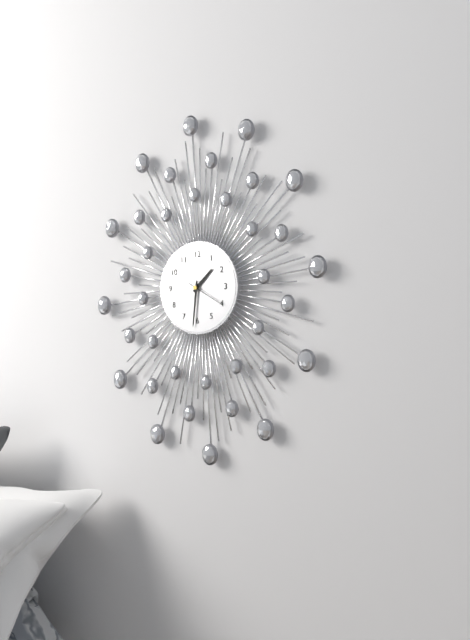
1:31
